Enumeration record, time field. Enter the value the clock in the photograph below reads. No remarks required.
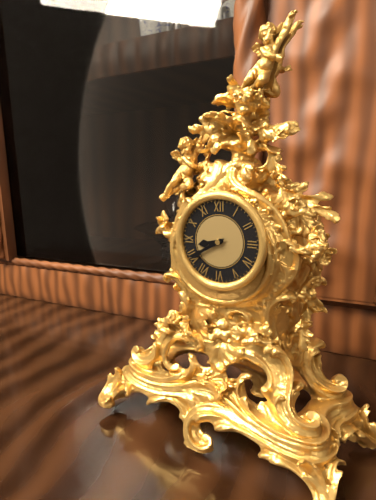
8:40
